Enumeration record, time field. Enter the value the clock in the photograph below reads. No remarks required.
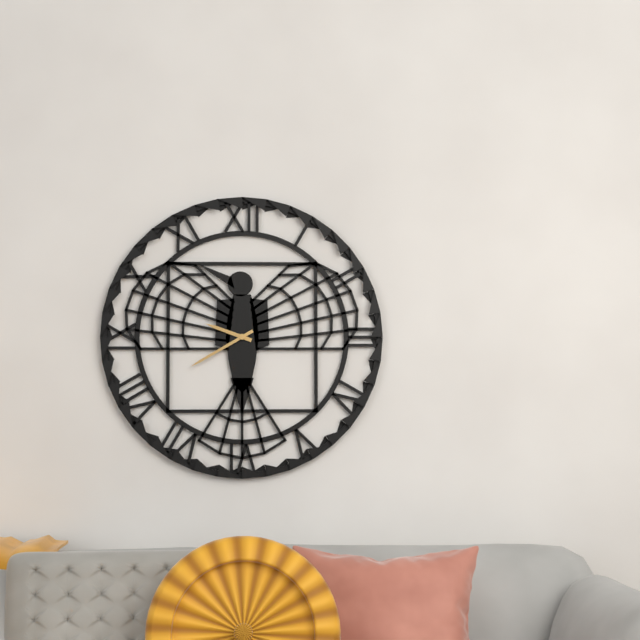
9:40
